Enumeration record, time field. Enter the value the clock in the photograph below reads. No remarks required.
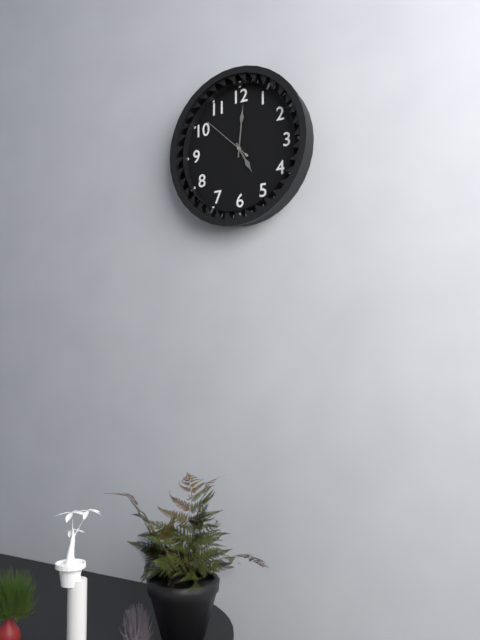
5:01:52
